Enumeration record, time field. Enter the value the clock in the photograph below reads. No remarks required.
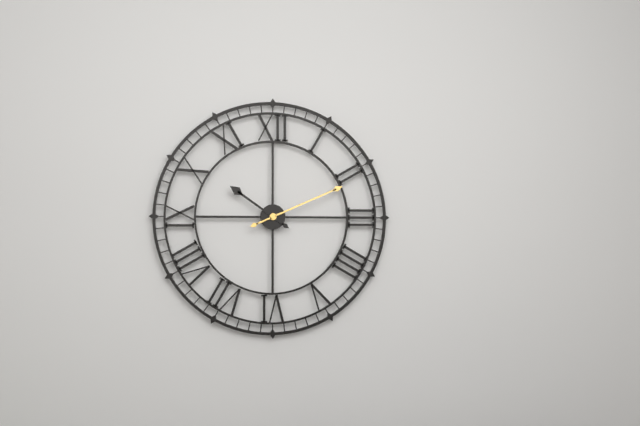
10:11
